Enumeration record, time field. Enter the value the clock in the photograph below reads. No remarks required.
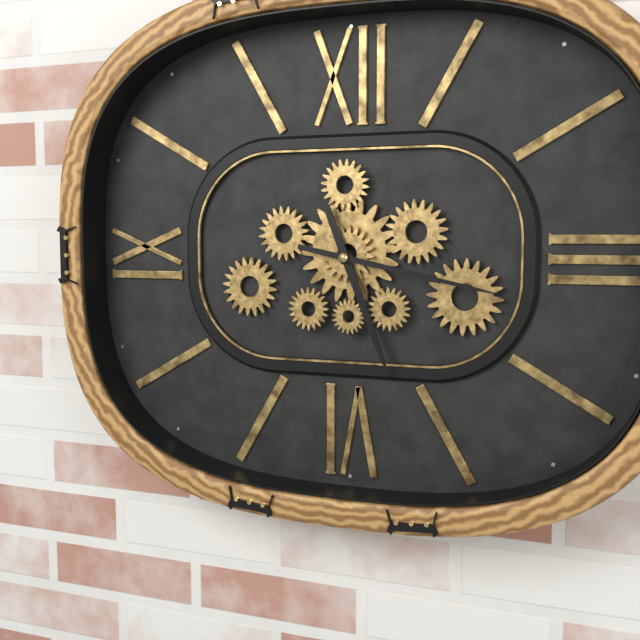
5:17
